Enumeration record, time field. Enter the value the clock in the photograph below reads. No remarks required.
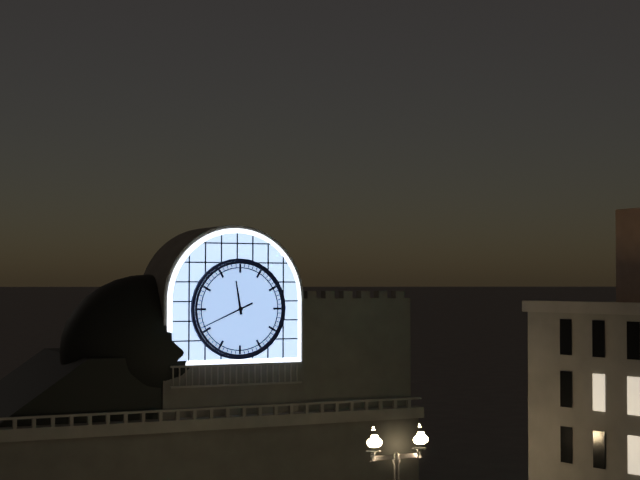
11:41
